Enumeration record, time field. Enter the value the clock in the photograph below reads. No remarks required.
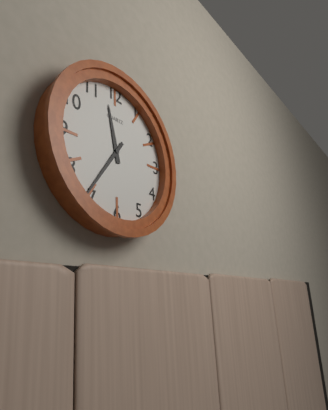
11:36
